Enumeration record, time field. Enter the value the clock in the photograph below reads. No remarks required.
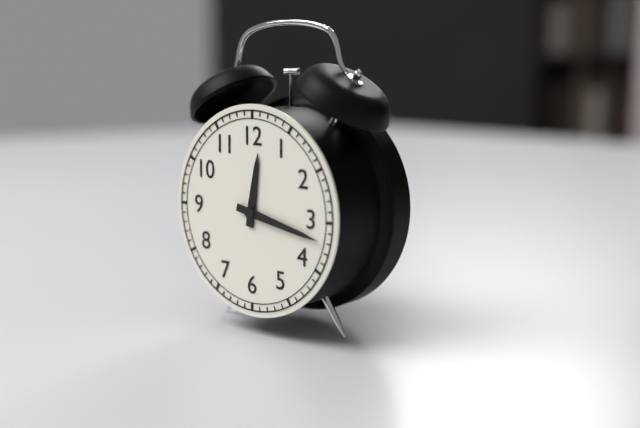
12:17
